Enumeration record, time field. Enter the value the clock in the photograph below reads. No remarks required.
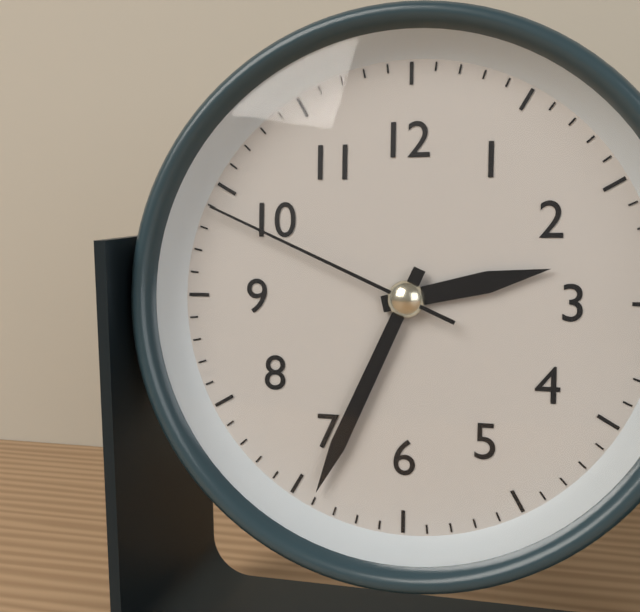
2:34:49
